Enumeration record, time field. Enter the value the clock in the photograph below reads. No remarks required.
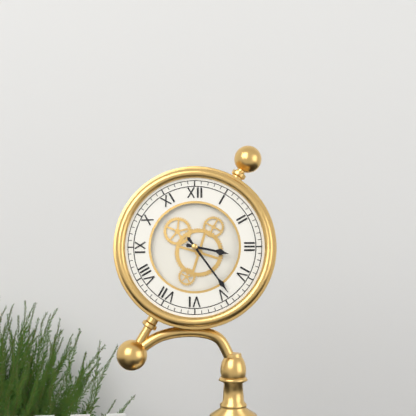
3:24
